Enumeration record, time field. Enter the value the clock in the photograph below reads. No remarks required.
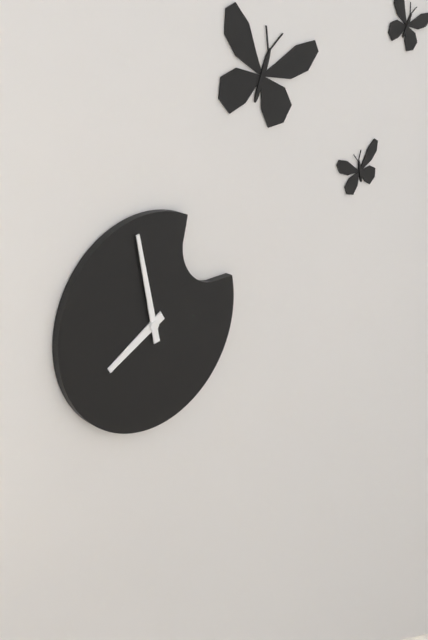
7:58
